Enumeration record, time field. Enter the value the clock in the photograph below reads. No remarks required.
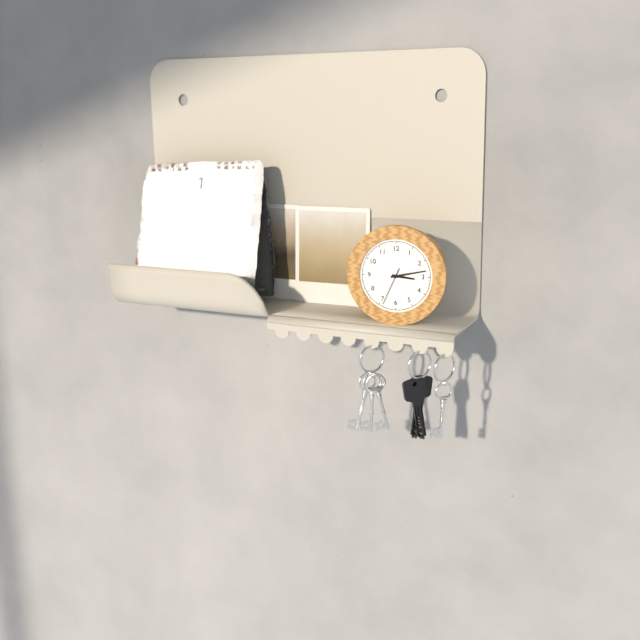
3:13
